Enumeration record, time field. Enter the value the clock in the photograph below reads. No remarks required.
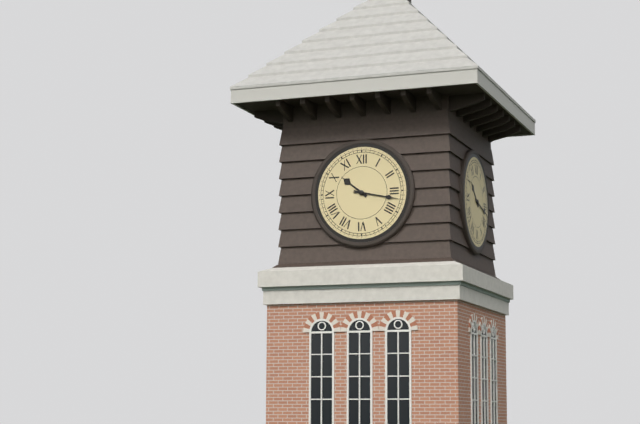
10:17
